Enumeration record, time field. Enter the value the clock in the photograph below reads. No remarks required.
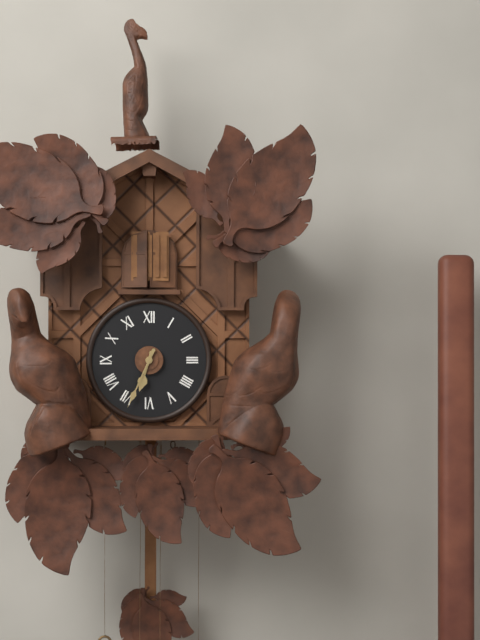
6:34
